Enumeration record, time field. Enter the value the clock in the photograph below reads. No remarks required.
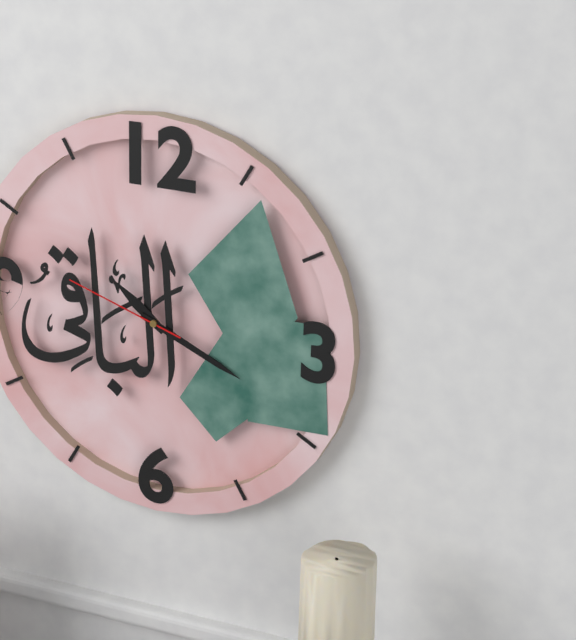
10:19:48
